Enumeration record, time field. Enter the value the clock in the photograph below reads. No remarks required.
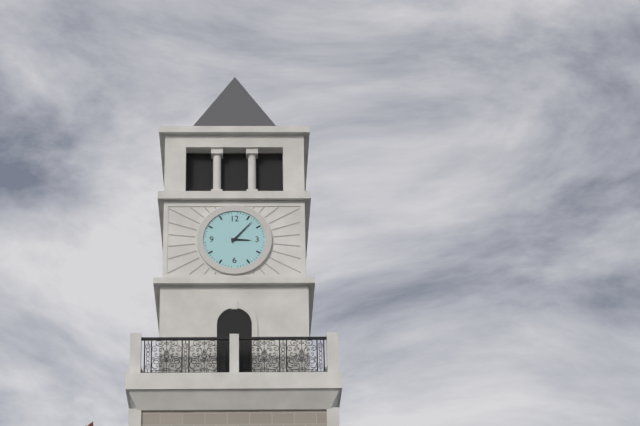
3:07
